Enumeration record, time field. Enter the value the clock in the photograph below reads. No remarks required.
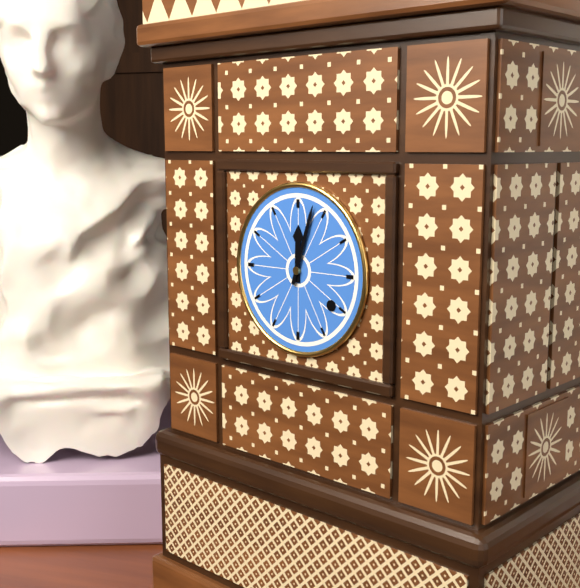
12:03
